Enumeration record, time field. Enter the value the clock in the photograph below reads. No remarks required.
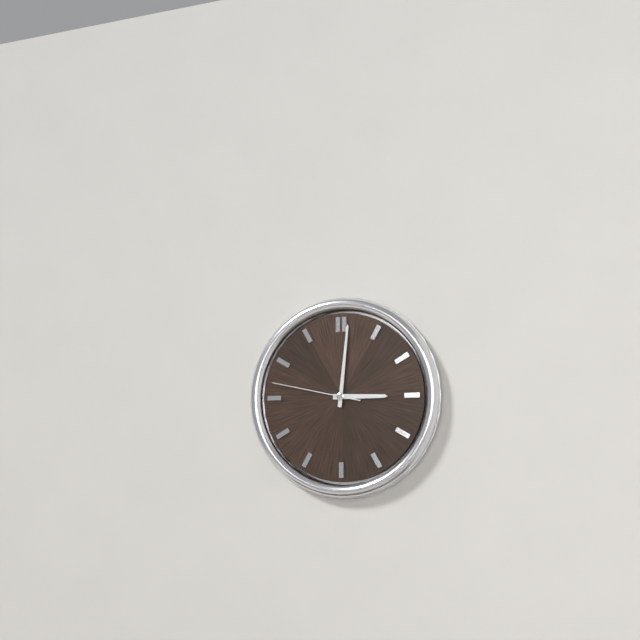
3:01:47
